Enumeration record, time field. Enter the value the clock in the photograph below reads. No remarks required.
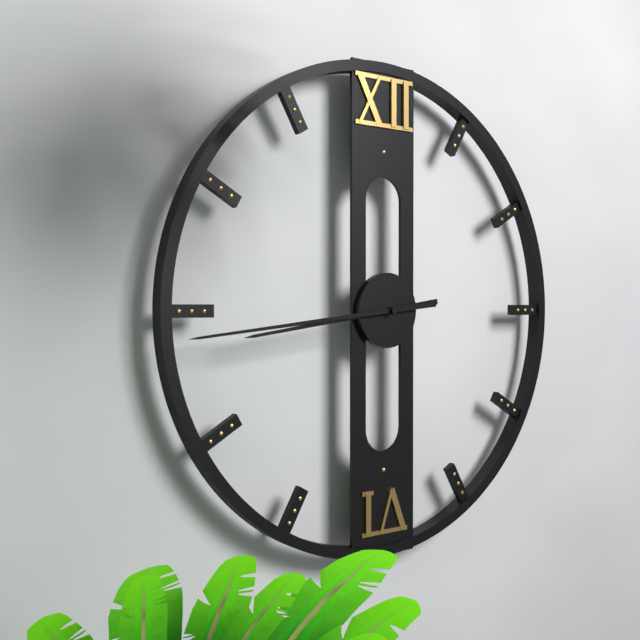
8:44
